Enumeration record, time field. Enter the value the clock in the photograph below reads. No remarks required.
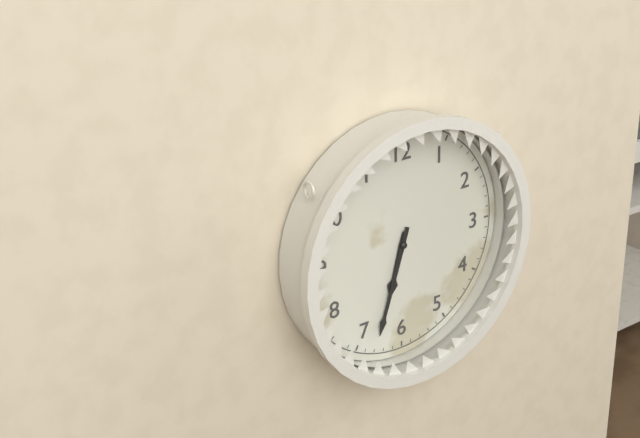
6:33
